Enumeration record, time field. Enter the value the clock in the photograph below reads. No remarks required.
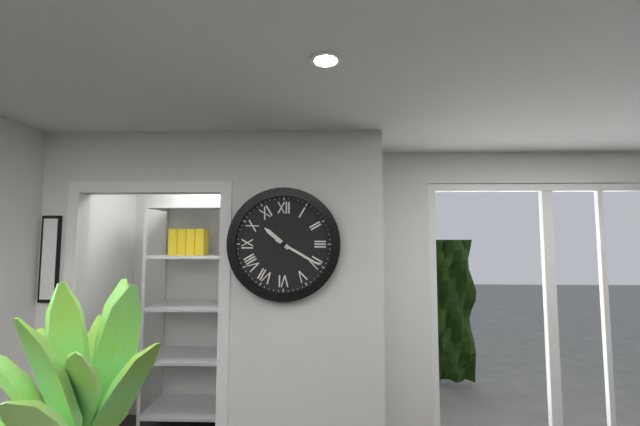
10:20
